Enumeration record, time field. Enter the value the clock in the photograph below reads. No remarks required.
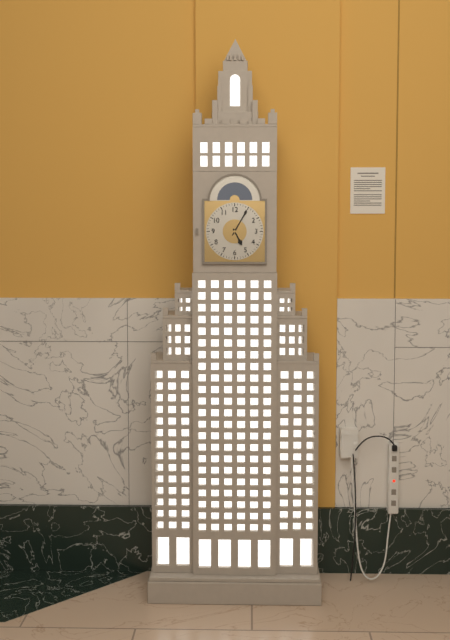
5:05
